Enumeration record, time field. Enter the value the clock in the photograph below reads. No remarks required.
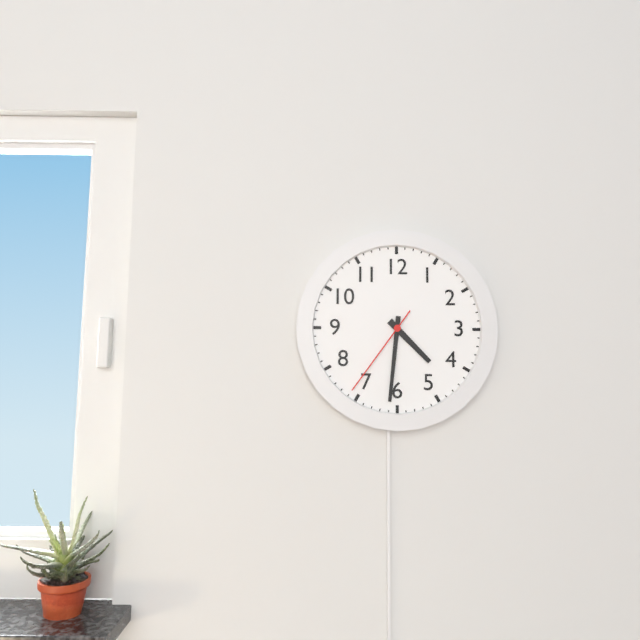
4:31:36
